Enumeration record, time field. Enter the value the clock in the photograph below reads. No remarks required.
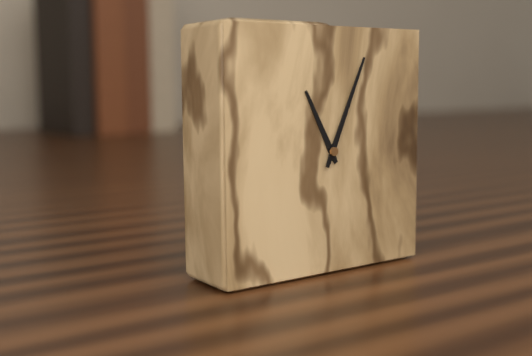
11:04
